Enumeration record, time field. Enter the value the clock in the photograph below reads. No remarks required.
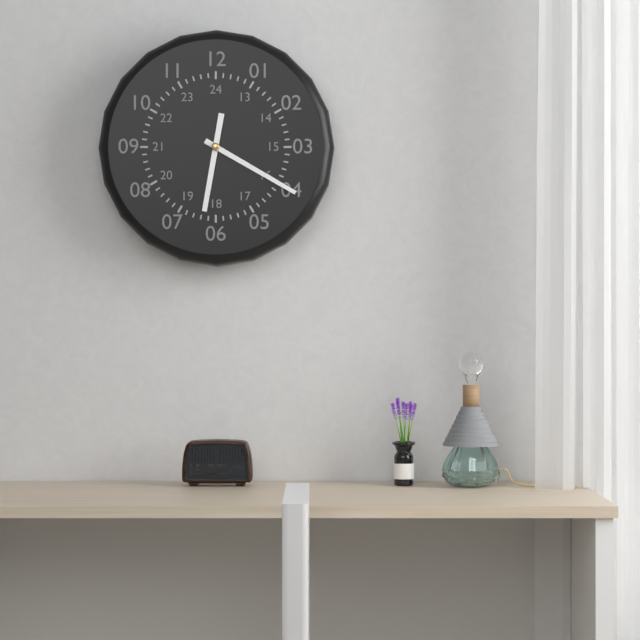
6:20
